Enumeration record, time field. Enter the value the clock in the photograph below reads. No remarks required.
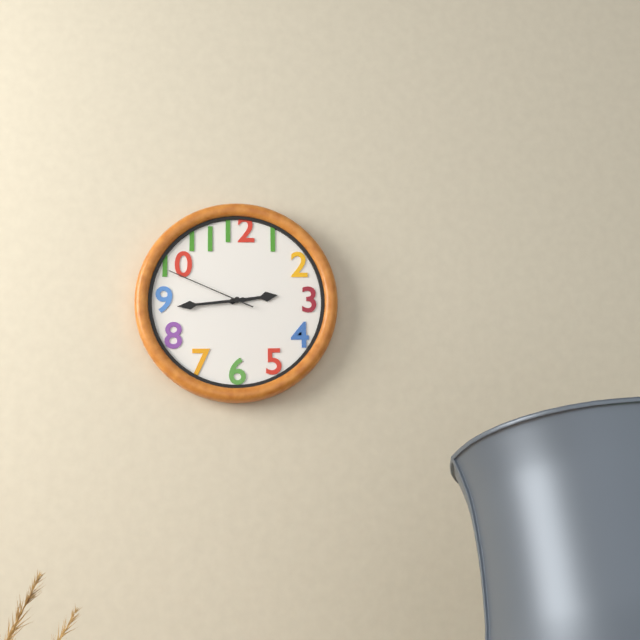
2:44:49
